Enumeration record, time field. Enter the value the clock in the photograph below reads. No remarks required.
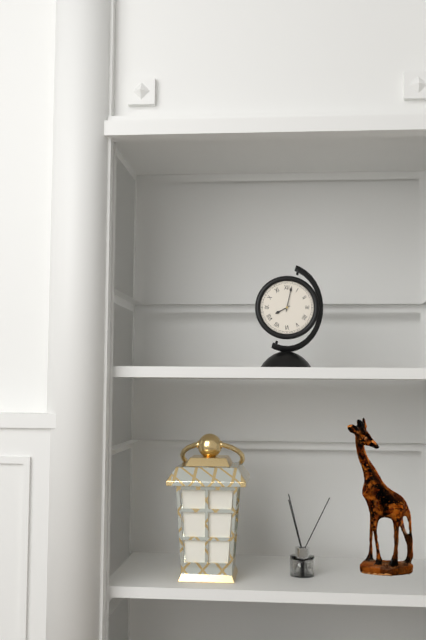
8:02
